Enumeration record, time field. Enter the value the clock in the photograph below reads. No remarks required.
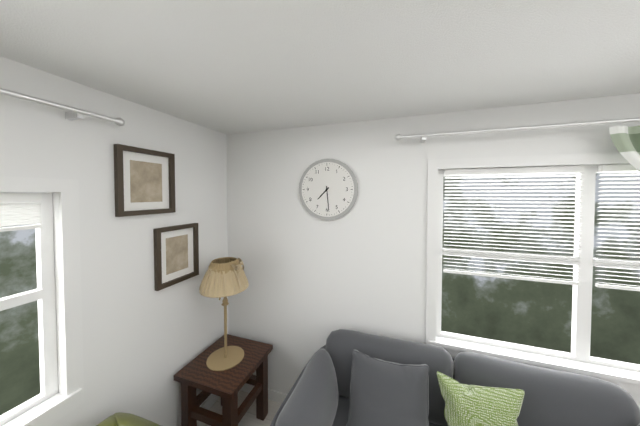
7:29
